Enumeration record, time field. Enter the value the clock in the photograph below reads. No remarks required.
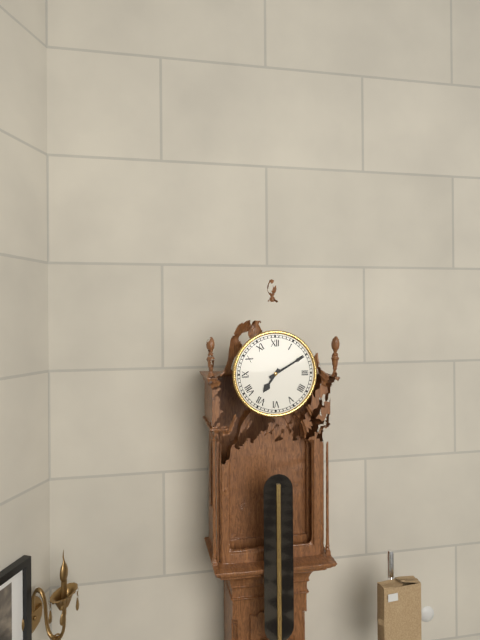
7:10
